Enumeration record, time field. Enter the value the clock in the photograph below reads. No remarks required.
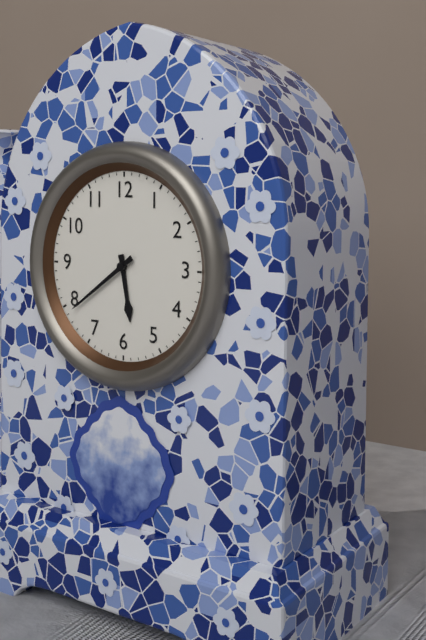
5:39
